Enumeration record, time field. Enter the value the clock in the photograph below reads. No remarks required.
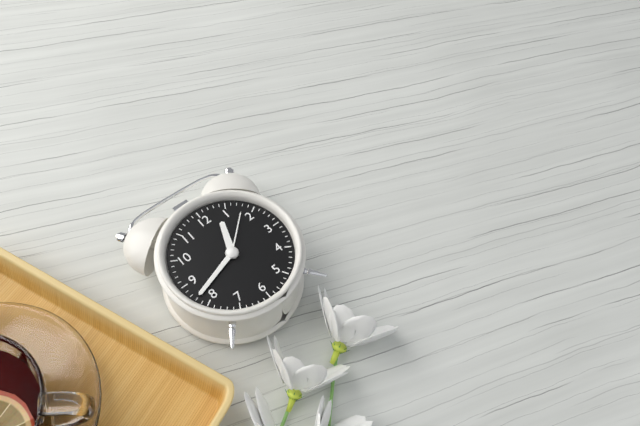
12:42:08
